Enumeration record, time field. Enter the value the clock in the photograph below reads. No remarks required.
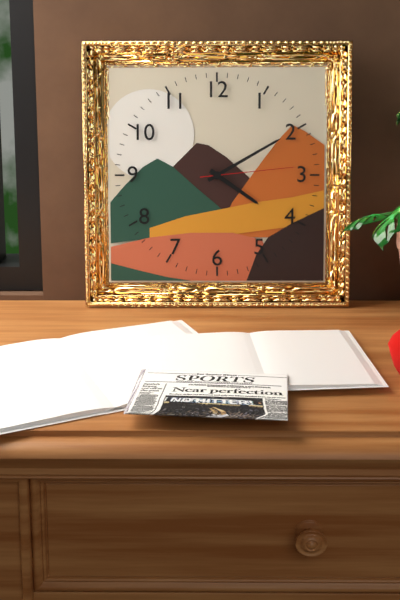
4:10:14
